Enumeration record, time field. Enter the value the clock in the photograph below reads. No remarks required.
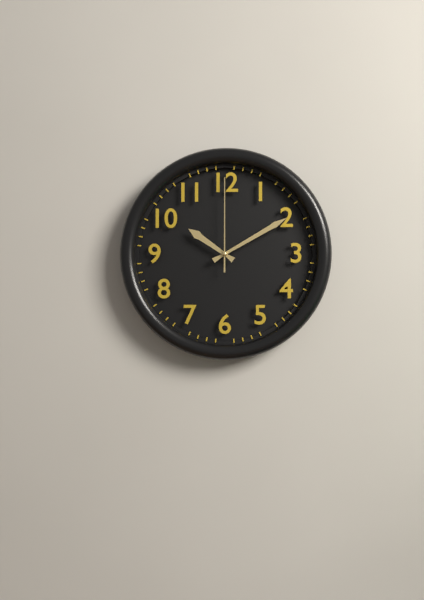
10:10:00
